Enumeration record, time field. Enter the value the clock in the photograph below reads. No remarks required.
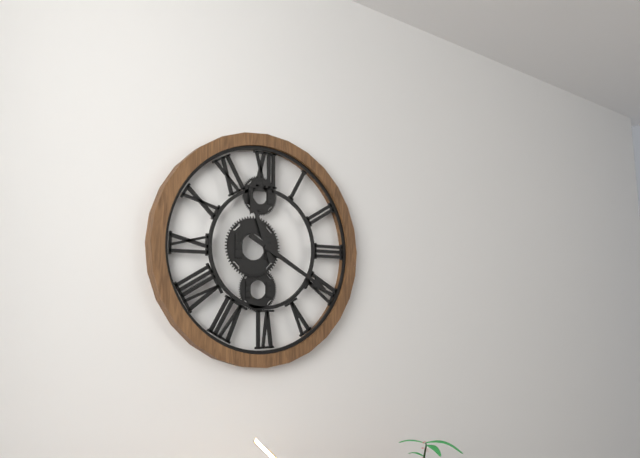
11:20
